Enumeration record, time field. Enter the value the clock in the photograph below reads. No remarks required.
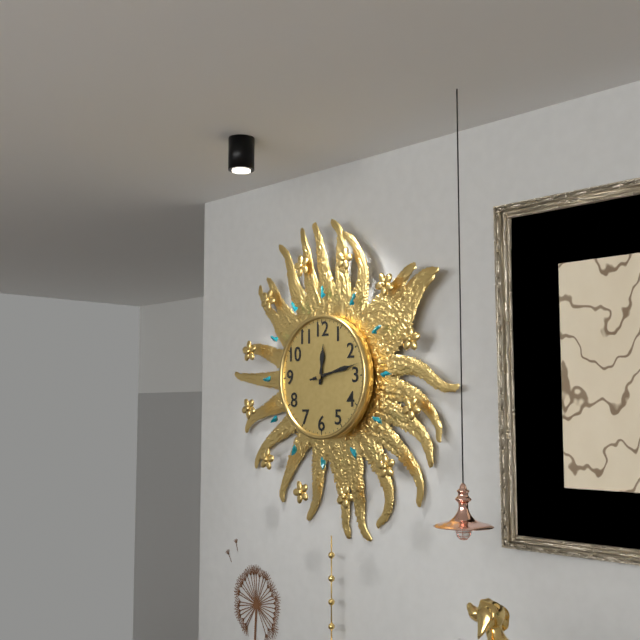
12:13
